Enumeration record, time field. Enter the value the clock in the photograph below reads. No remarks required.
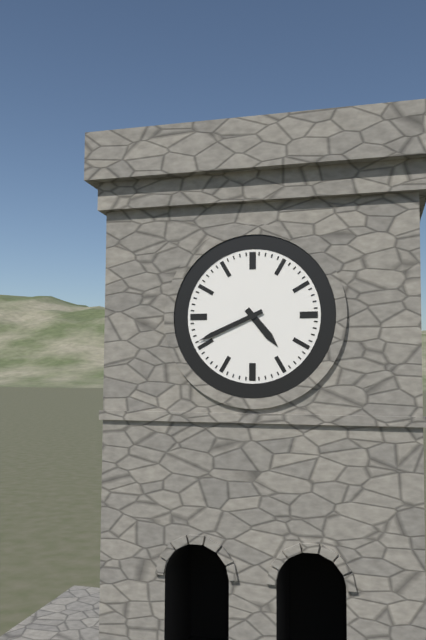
4:41
